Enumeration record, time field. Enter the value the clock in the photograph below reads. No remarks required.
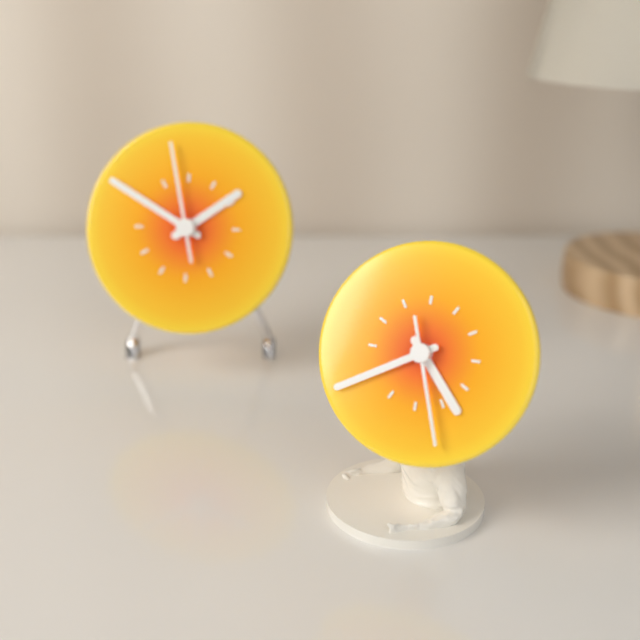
4:40:27
